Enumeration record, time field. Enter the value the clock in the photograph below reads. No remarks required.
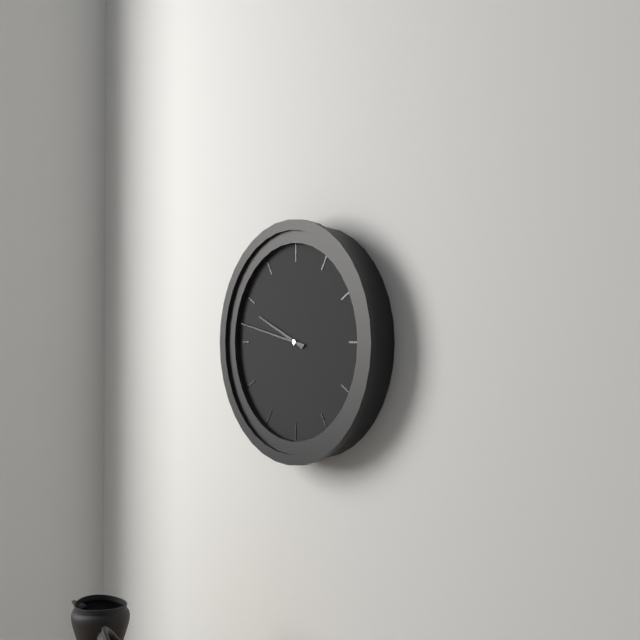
9:47
